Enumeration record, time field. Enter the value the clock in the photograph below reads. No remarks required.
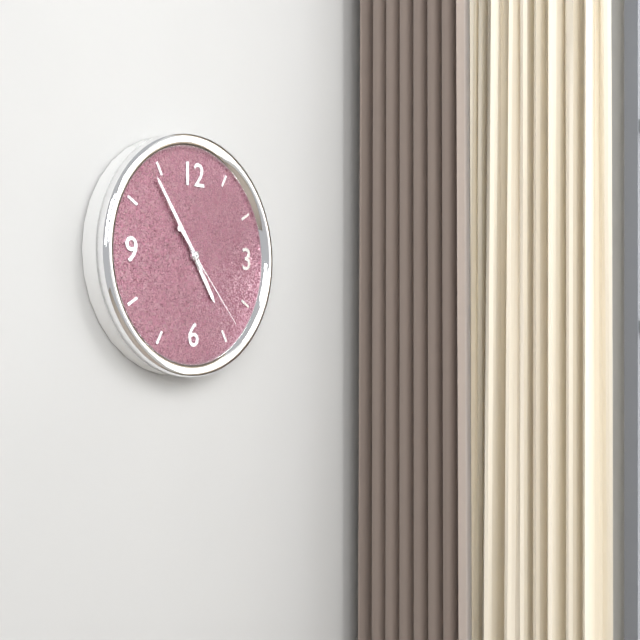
4:54:23
